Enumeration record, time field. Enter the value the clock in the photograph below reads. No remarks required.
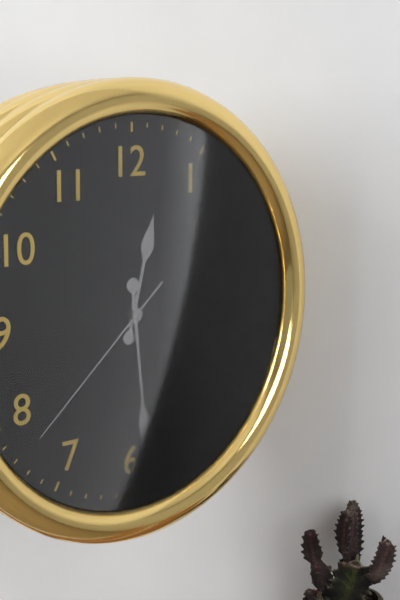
12:29:38
